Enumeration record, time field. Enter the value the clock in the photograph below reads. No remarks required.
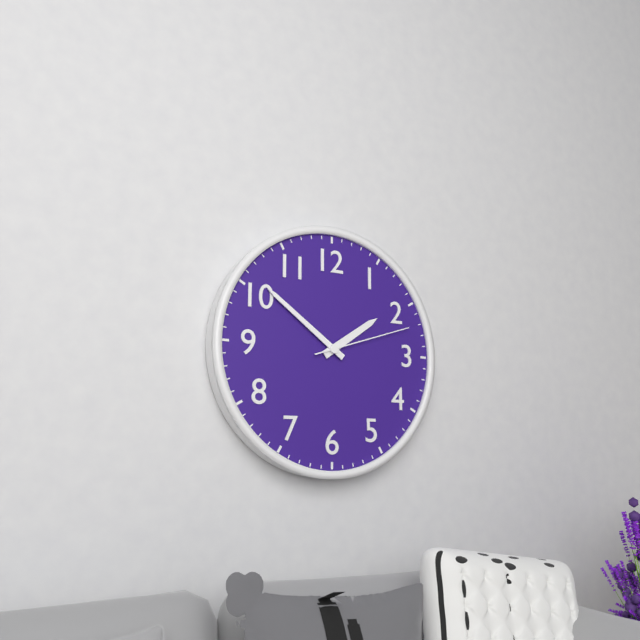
1:51:12
